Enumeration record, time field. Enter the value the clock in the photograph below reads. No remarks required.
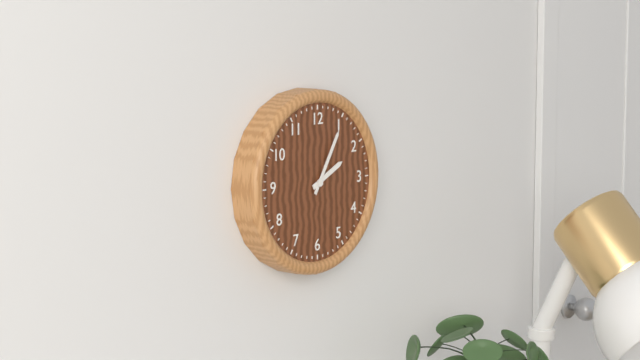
2:05
